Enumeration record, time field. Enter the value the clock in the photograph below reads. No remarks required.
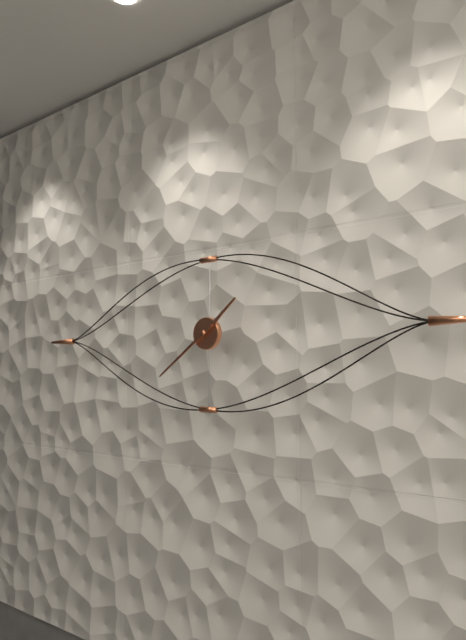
1:39
